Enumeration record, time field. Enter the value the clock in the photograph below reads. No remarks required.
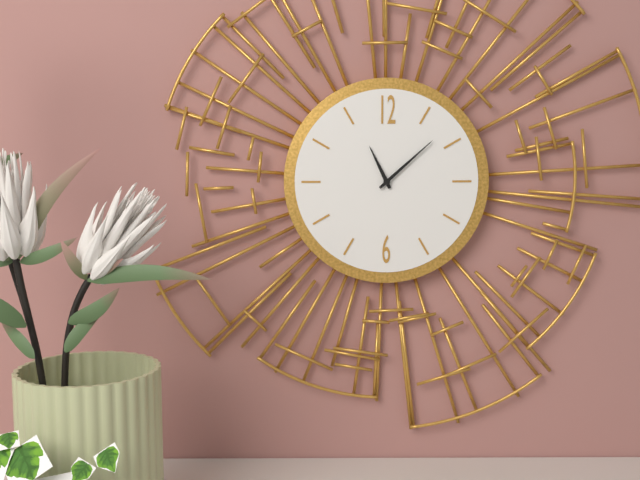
11:08
